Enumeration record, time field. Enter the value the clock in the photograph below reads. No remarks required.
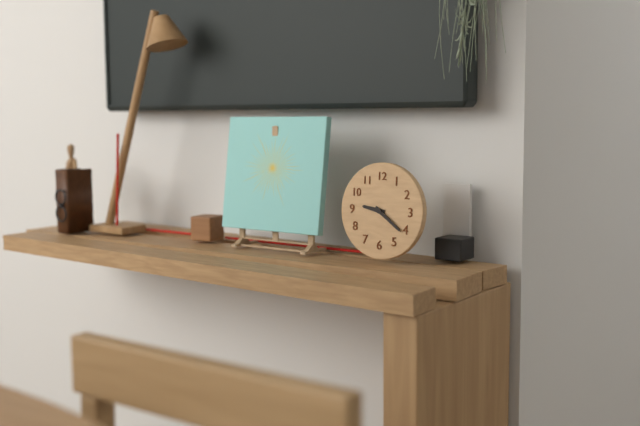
9:21
